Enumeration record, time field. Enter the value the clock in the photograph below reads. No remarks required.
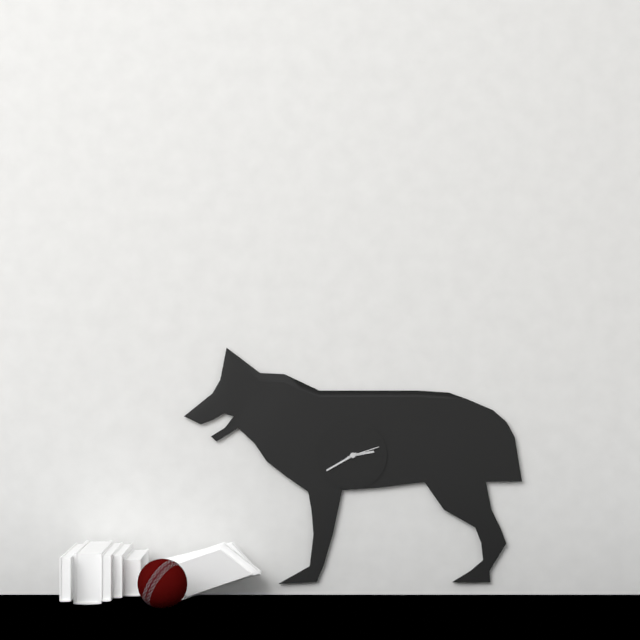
2:40
